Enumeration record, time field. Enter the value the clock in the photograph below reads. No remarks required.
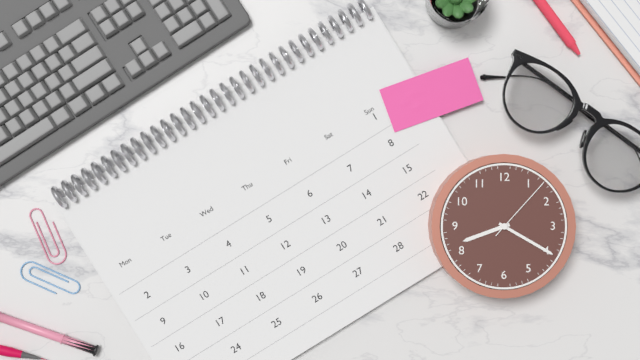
8:20:07
